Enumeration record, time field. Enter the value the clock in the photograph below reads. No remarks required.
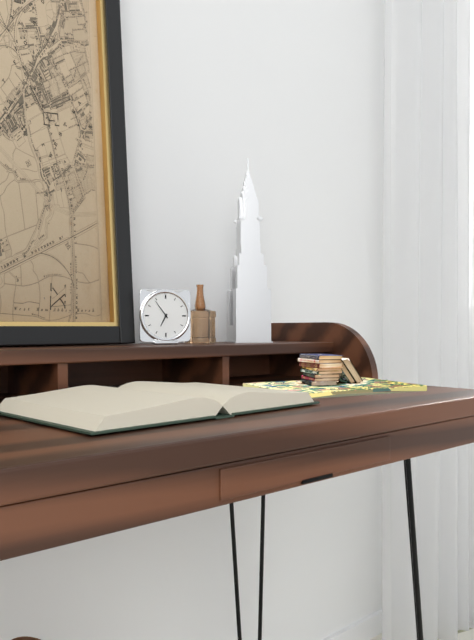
6:54
